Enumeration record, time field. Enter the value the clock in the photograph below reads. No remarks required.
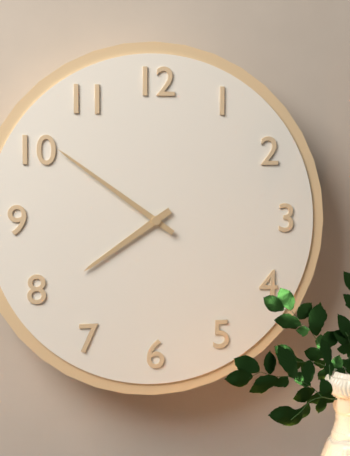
7:51
